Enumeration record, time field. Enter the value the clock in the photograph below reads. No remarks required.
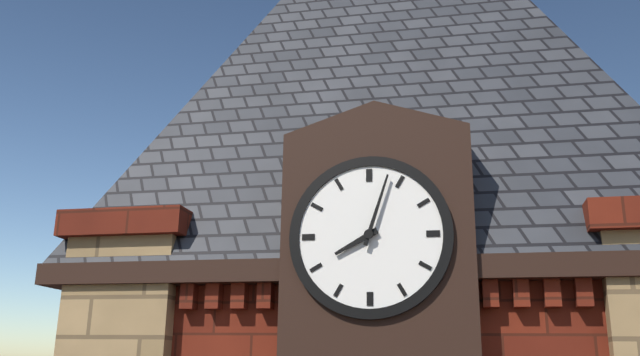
8:03
